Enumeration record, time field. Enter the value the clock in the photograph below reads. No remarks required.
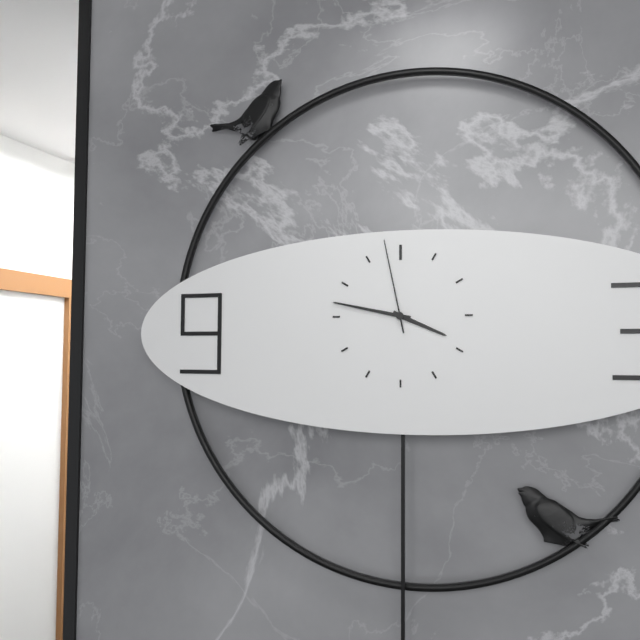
3:47:58
